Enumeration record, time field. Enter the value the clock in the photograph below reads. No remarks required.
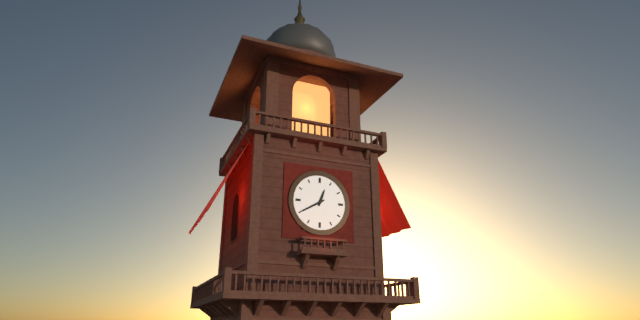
12:40
